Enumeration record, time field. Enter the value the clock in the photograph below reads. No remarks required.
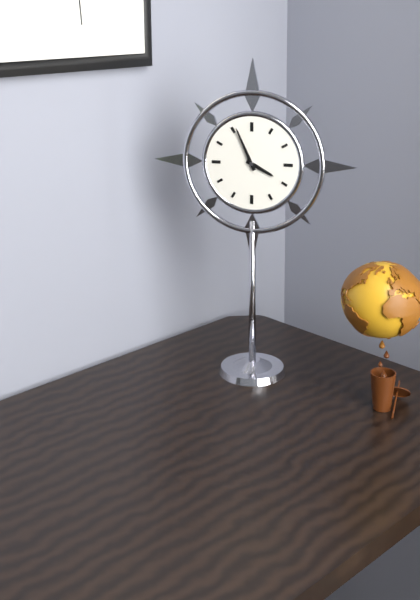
3:56
